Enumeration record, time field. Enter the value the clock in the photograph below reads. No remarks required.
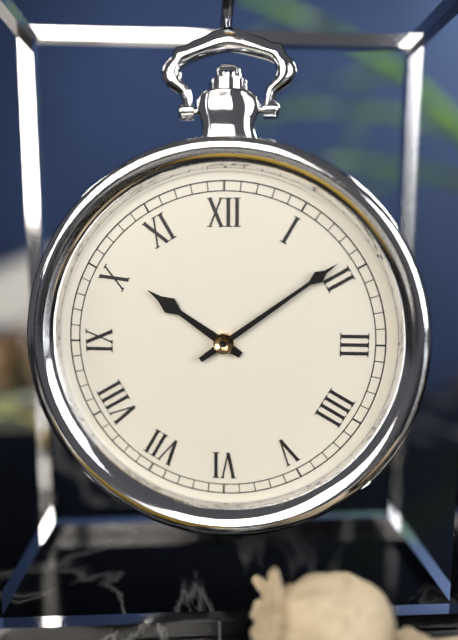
10:09
